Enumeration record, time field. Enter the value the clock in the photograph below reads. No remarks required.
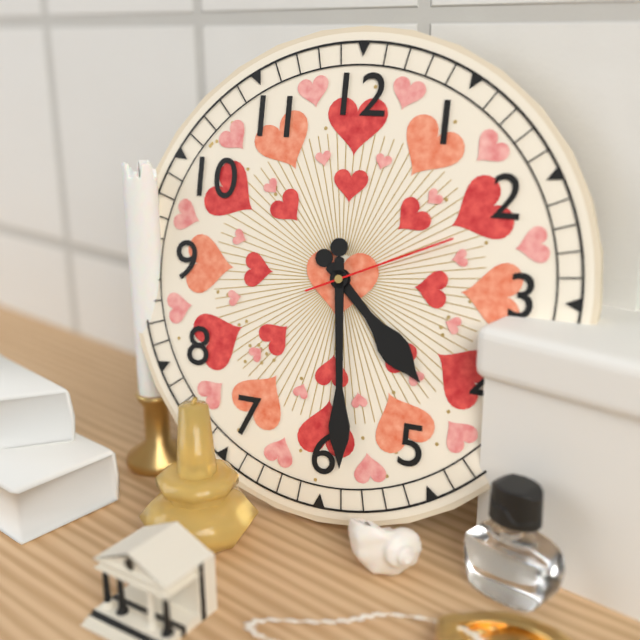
4:29:11
